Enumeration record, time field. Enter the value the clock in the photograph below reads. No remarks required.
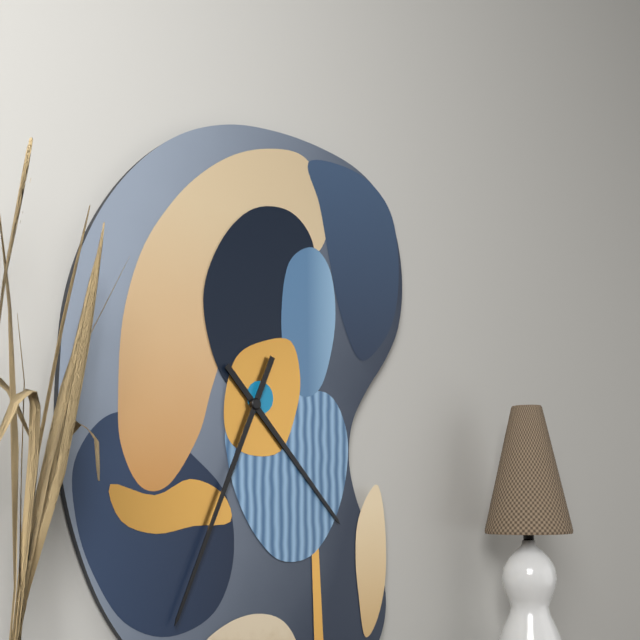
4:34
